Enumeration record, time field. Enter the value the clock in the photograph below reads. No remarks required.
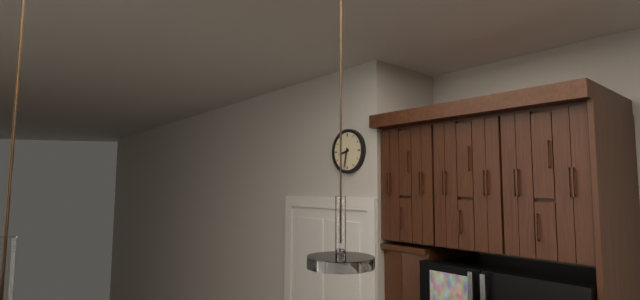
8:32
